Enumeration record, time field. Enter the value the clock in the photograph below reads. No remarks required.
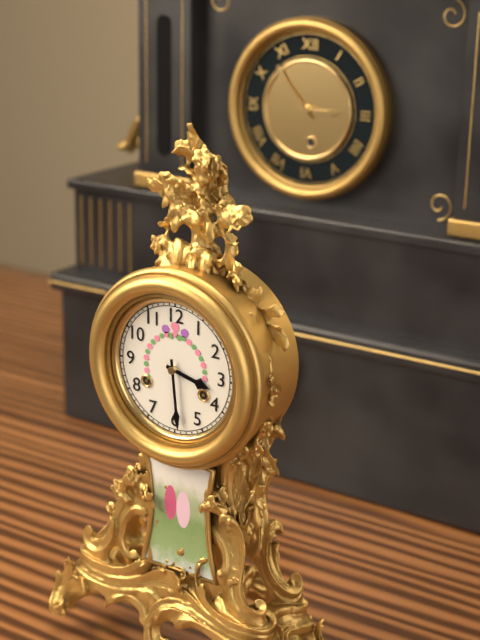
3:29
